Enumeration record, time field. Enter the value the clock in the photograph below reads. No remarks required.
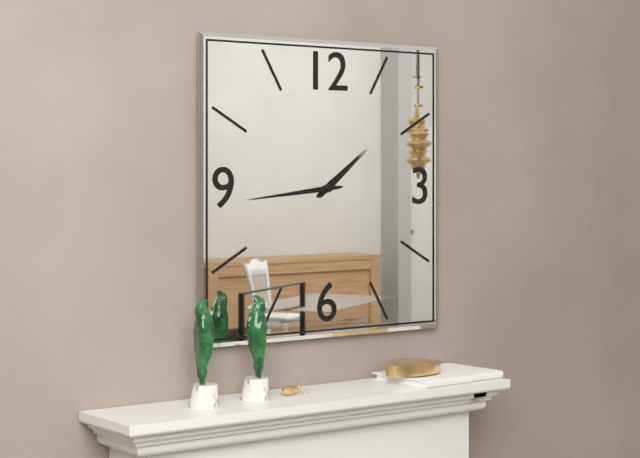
1:44
